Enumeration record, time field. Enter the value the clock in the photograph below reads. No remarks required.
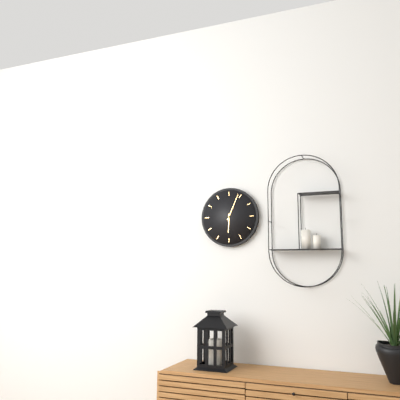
6:04
